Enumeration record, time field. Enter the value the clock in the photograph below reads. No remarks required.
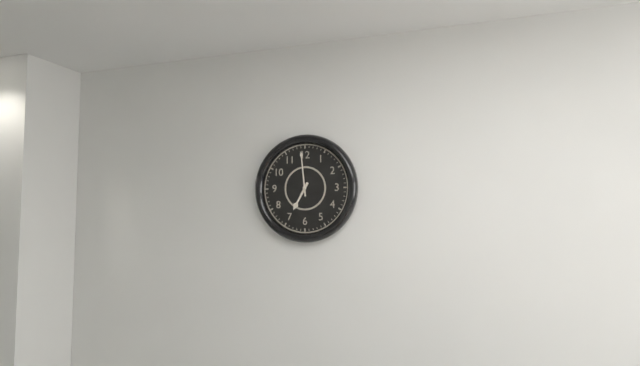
6:59
